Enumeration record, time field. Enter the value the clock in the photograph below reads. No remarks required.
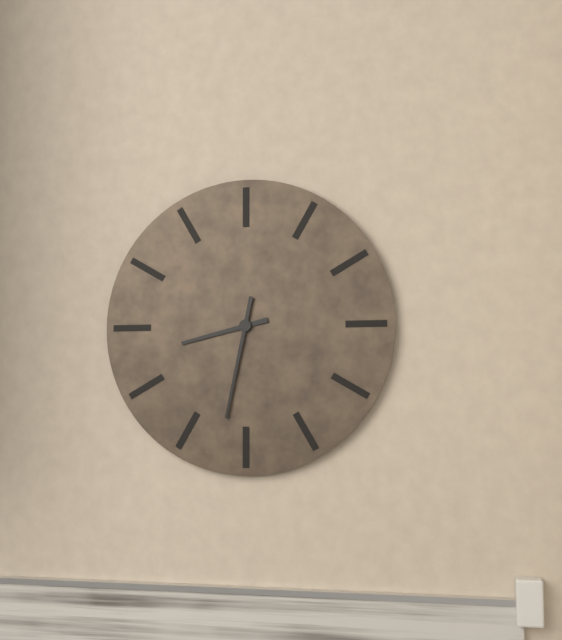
8:32
